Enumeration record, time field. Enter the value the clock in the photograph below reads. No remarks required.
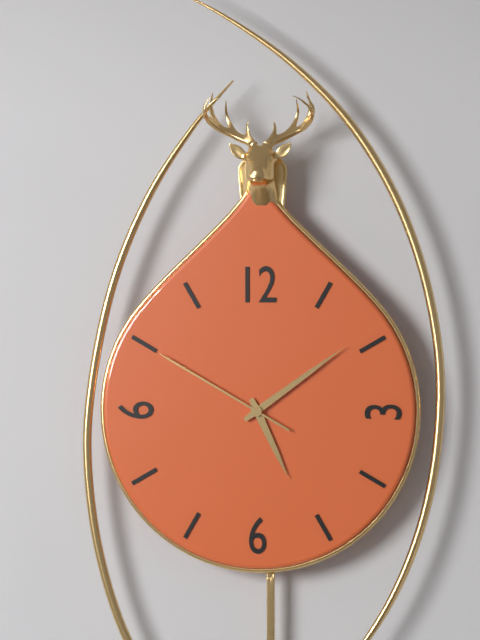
5:09:50
